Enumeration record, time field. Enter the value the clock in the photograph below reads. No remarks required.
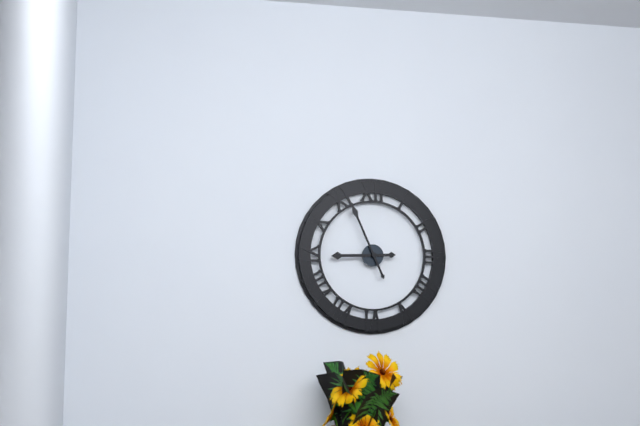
8:56
